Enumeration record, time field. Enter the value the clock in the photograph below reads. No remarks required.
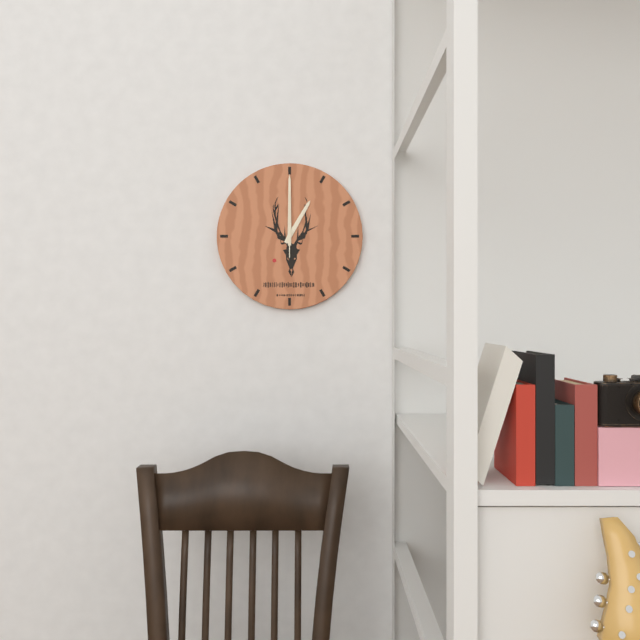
1:00:00
